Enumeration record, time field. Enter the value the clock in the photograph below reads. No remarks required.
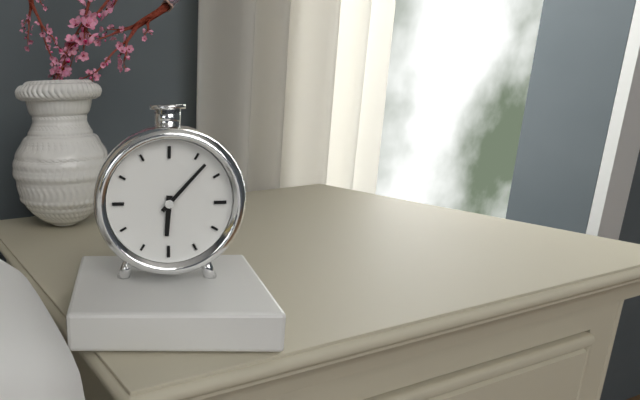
6:07
